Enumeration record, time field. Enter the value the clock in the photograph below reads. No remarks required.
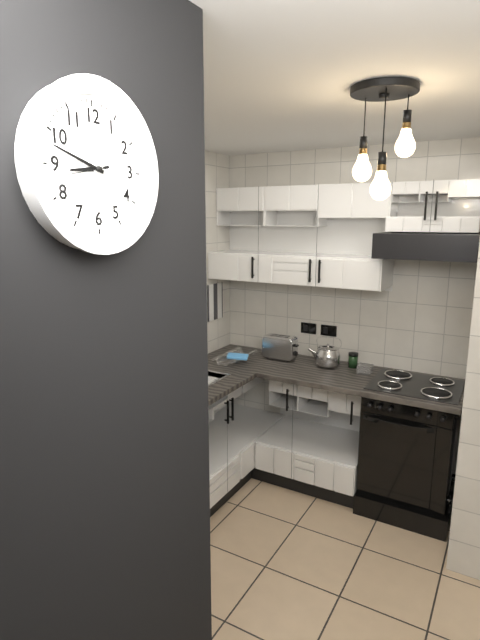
8:48:43
